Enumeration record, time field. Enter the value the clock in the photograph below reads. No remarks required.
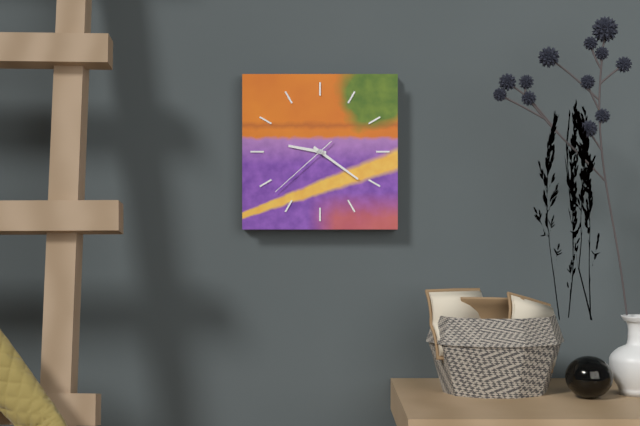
9:21:38
